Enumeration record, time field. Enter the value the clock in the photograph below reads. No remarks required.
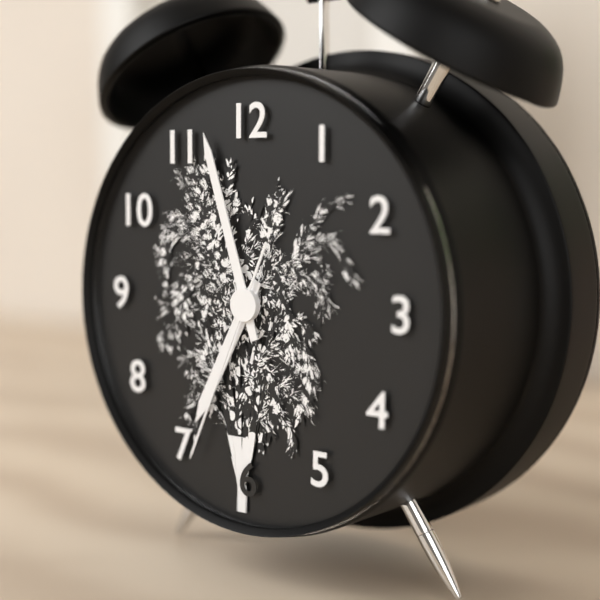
6:57:34
